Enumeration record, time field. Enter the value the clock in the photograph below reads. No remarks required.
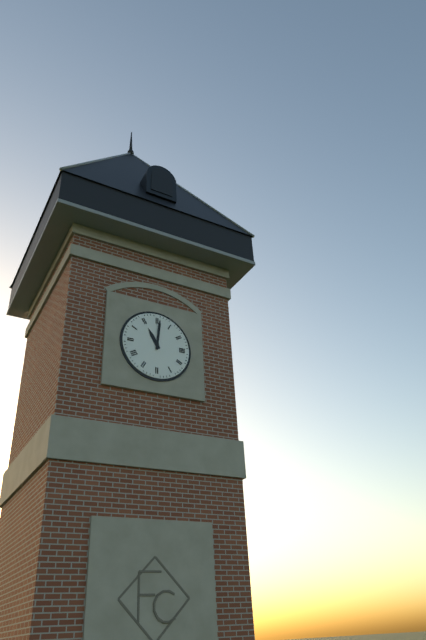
11:01
